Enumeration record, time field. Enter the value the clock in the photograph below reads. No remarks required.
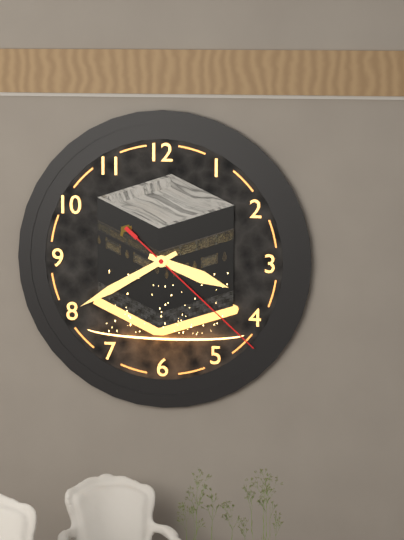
3:40:22
